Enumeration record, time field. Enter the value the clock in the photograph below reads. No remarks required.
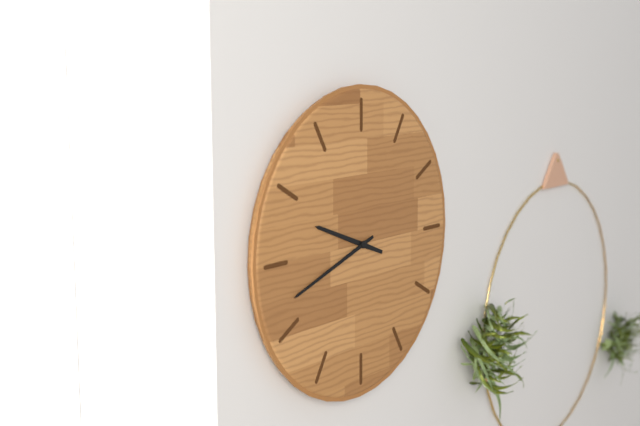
9:42
